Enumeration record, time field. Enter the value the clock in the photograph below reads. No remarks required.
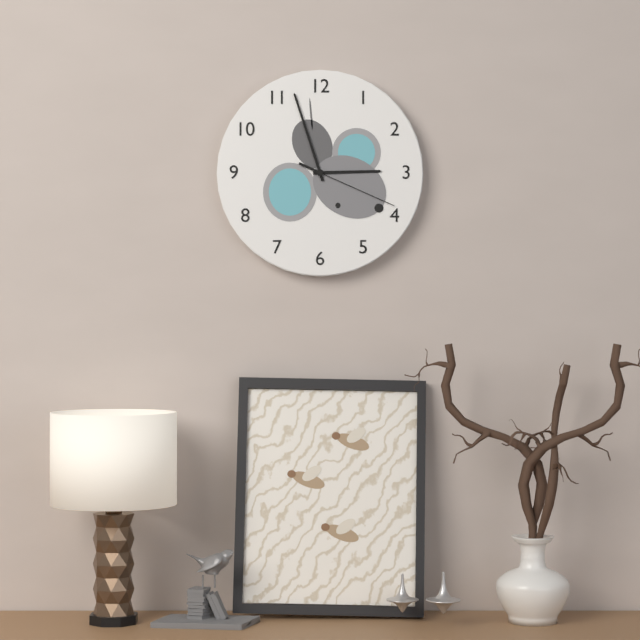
2:57:19
